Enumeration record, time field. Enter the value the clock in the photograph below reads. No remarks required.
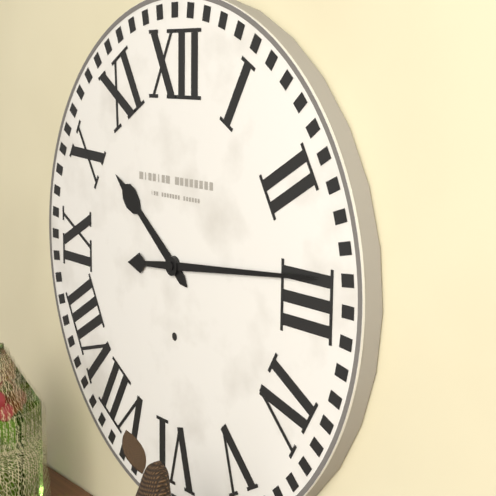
10:14
